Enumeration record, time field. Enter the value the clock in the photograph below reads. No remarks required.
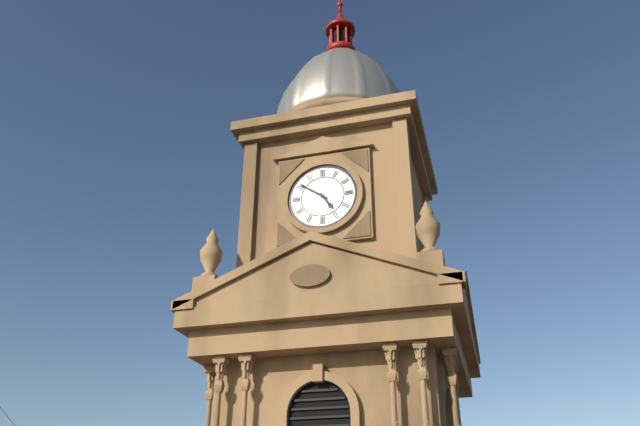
4:51
